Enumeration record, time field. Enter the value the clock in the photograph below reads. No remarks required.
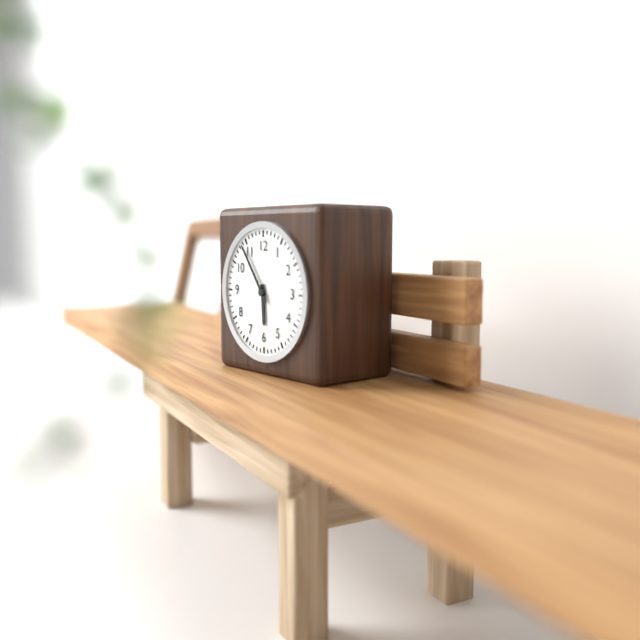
5:54
